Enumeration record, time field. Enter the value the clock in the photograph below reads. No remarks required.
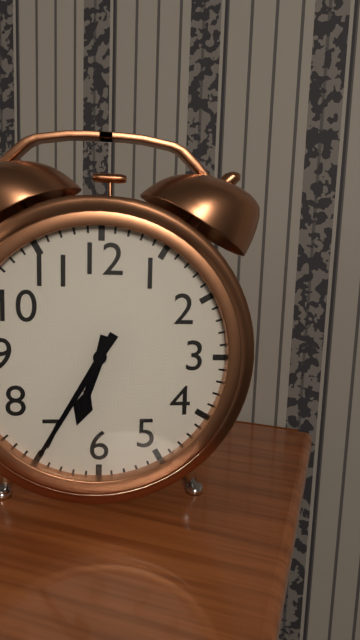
6:35
